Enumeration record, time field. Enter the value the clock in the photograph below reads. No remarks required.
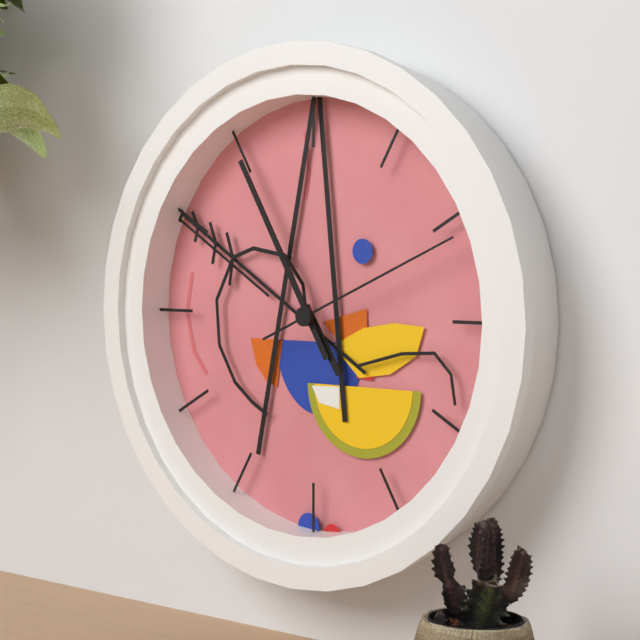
4:55:11
